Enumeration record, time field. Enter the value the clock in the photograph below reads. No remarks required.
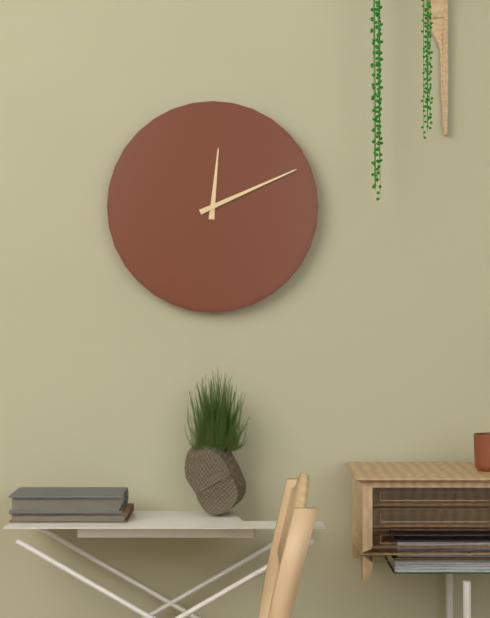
12:11
